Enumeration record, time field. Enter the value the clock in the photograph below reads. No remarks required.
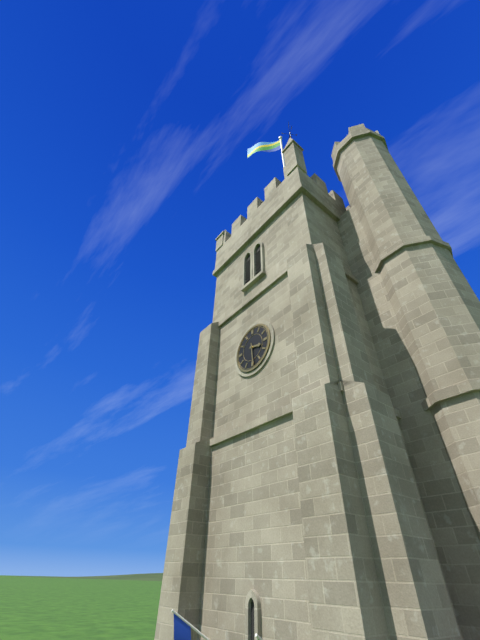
3:29
